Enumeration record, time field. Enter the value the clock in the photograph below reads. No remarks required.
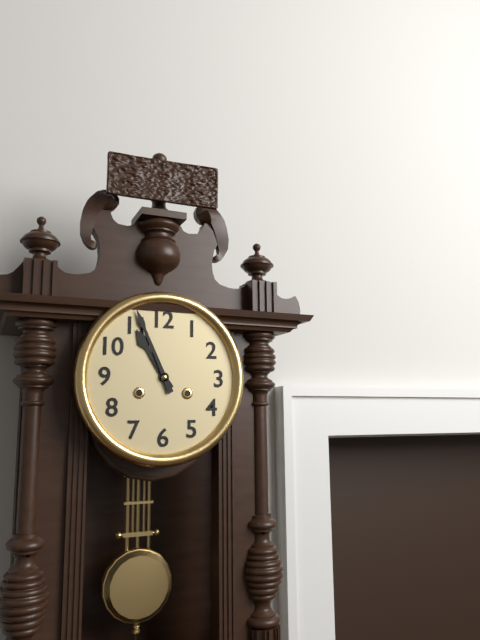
10:56
